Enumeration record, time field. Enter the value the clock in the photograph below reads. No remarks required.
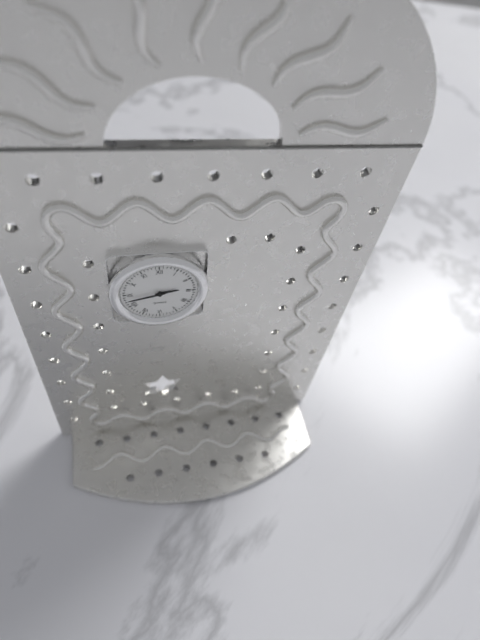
2:43
